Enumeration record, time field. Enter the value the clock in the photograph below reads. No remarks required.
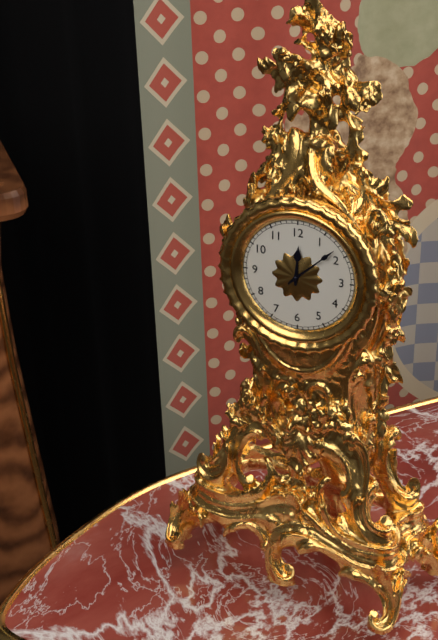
12:08
